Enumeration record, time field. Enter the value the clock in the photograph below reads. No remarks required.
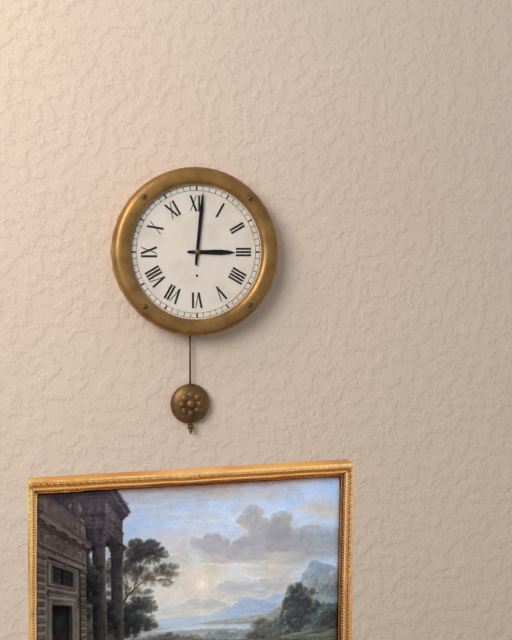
3:01
